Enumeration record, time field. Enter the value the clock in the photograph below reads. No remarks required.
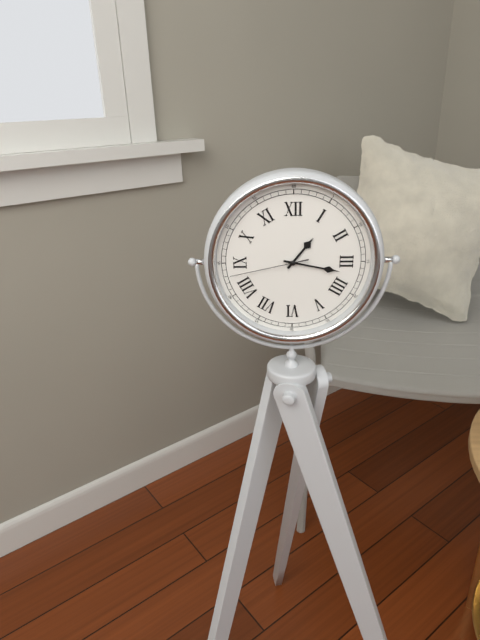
1:17:43
